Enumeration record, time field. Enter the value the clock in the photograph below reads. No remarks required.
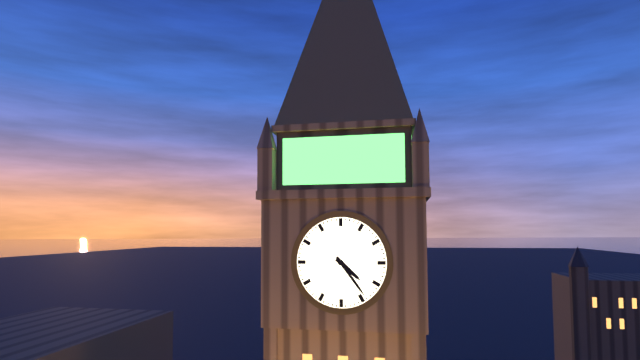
4:24
